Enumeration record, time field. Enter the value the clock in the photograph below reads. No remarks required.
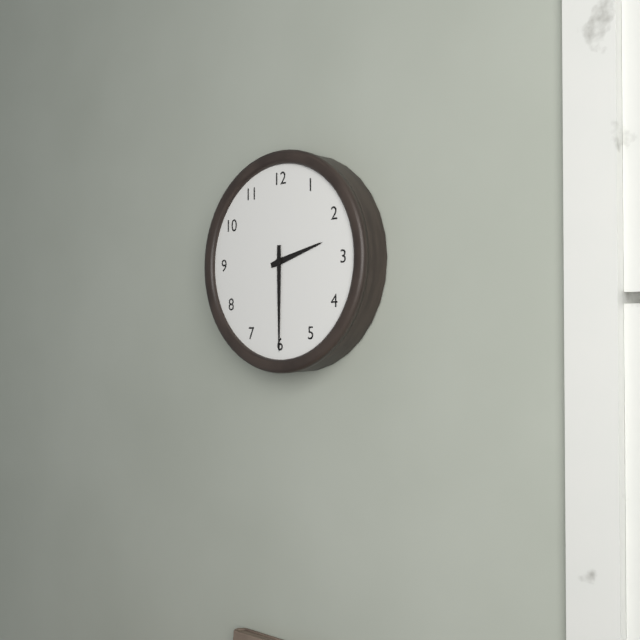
2:30
